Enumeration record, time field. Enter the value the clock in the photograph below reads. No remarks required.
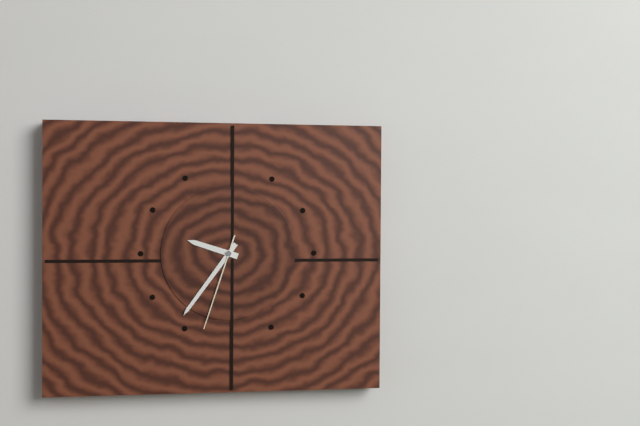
9:36:33
